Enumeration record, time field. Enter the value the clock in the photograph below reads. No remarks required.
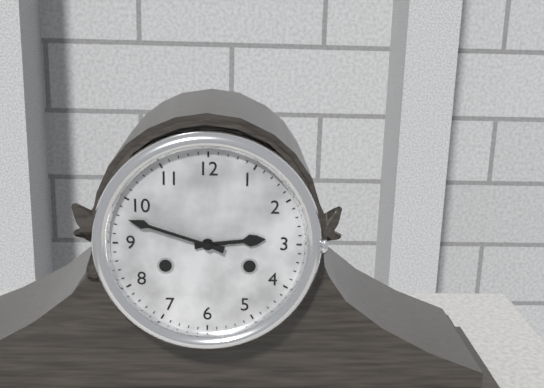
2:48
